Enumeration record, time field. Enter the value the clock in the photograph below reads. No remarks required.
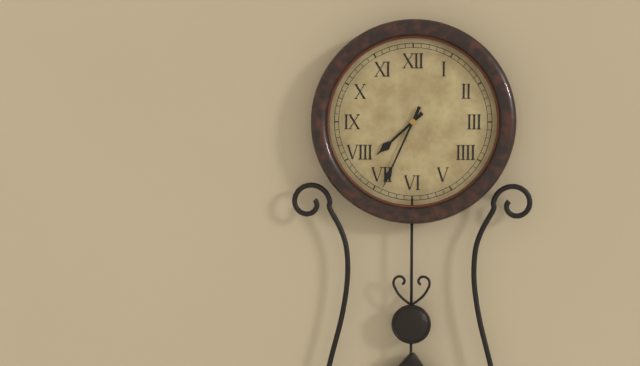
7:34
